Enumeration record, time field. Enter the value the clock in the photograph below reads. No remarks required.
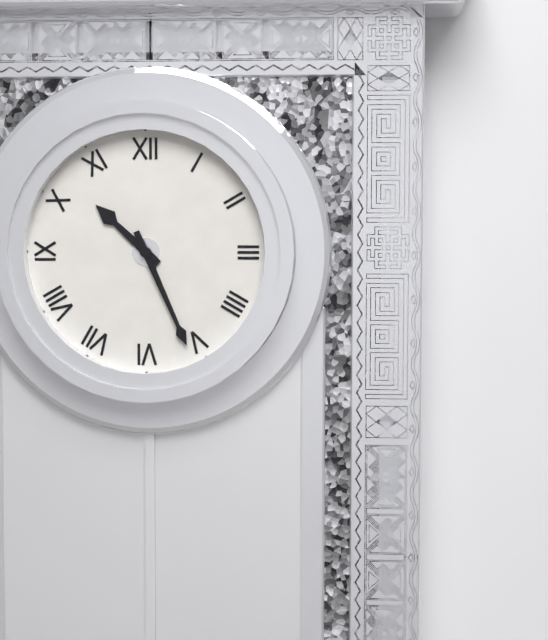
10:26
